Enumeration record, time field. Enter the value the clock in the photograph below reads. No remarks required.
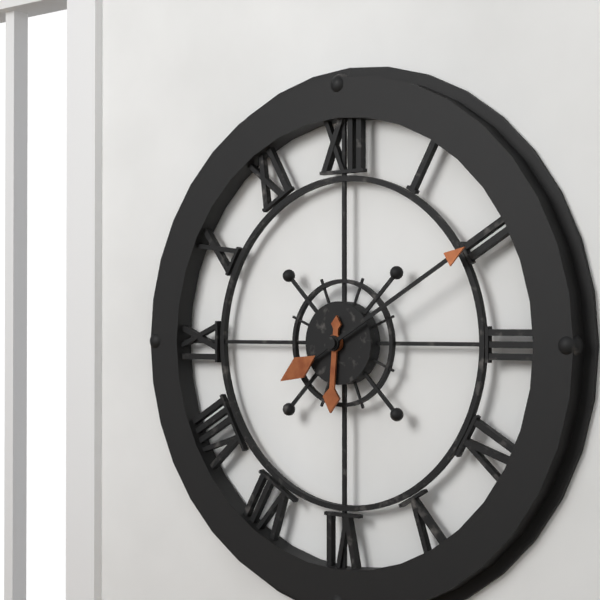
6:10
